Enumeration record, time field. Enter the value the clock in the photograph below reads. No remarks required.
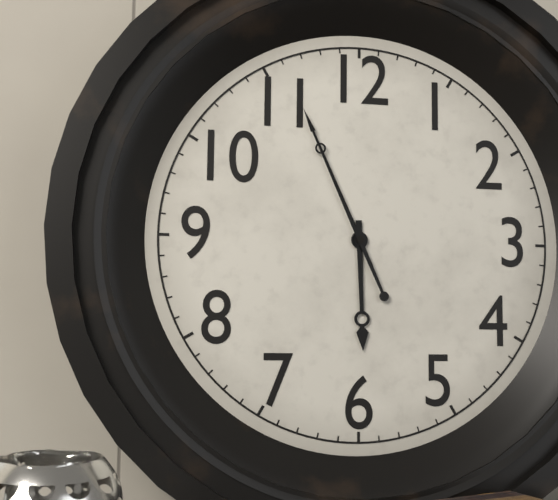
5:56
